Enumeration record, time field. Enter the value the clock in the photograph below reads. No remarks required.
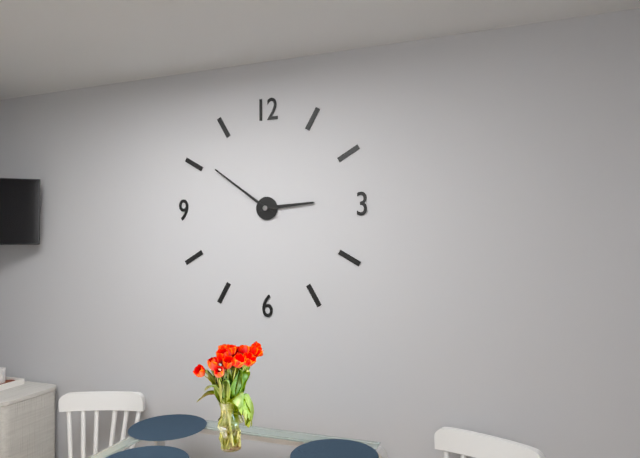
2:51
